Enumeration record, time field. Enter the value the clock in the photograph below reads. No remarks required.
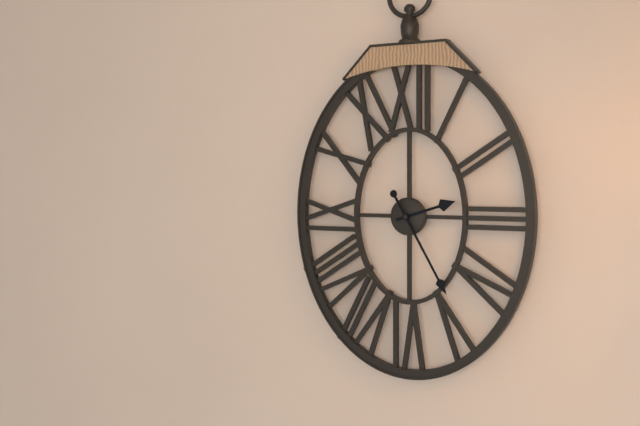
2:25
